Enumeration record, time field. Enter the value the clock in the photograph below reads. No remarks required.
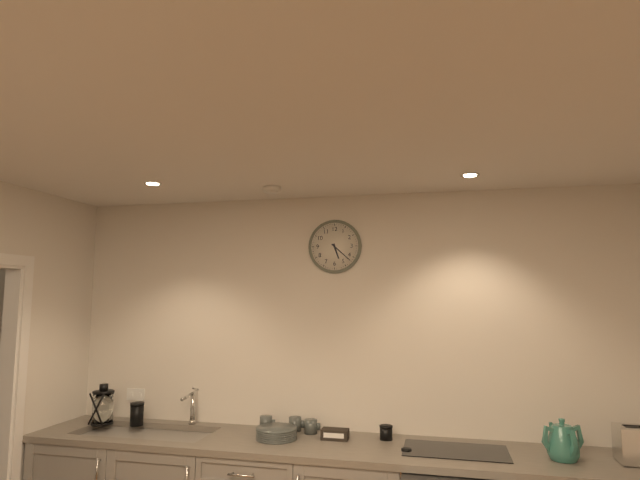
5:22
